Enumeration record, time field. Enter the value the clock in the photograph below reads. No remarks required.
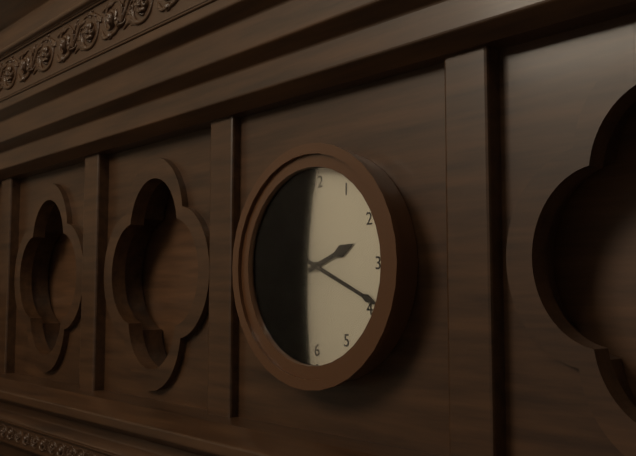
2:19
